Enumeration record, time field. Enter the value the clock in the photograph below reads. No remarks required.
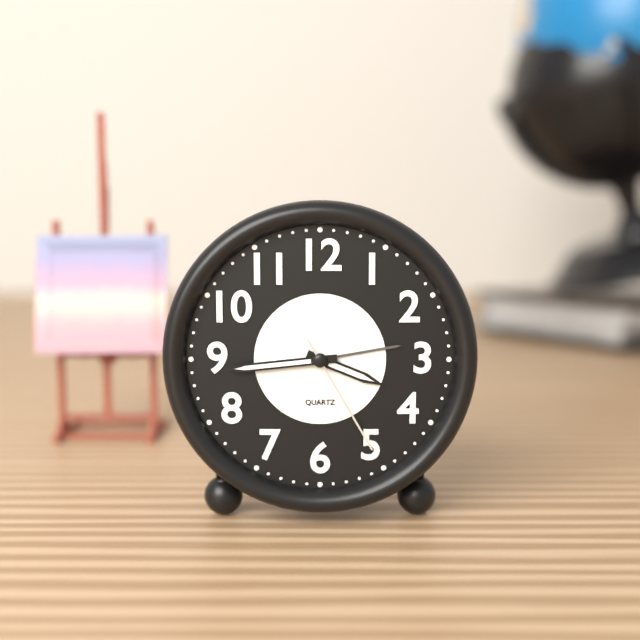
3:44:25
